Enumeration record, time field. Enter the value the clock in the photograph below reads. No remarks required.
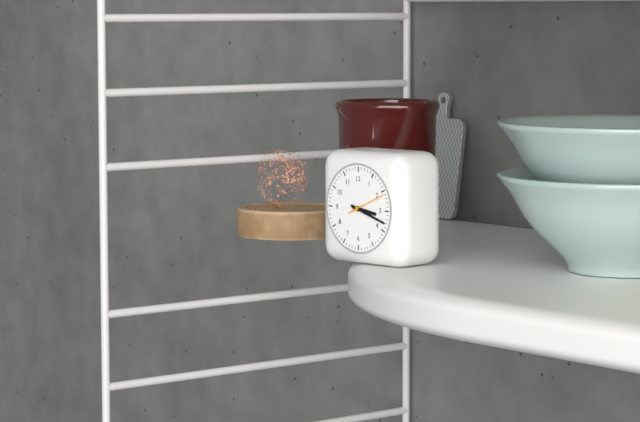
3:18
